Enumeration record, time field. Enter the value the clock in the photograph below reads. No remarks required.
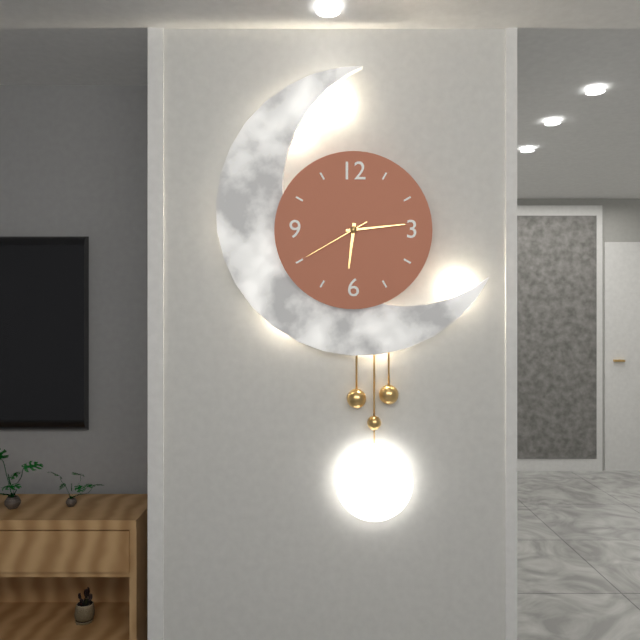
6:14:40
